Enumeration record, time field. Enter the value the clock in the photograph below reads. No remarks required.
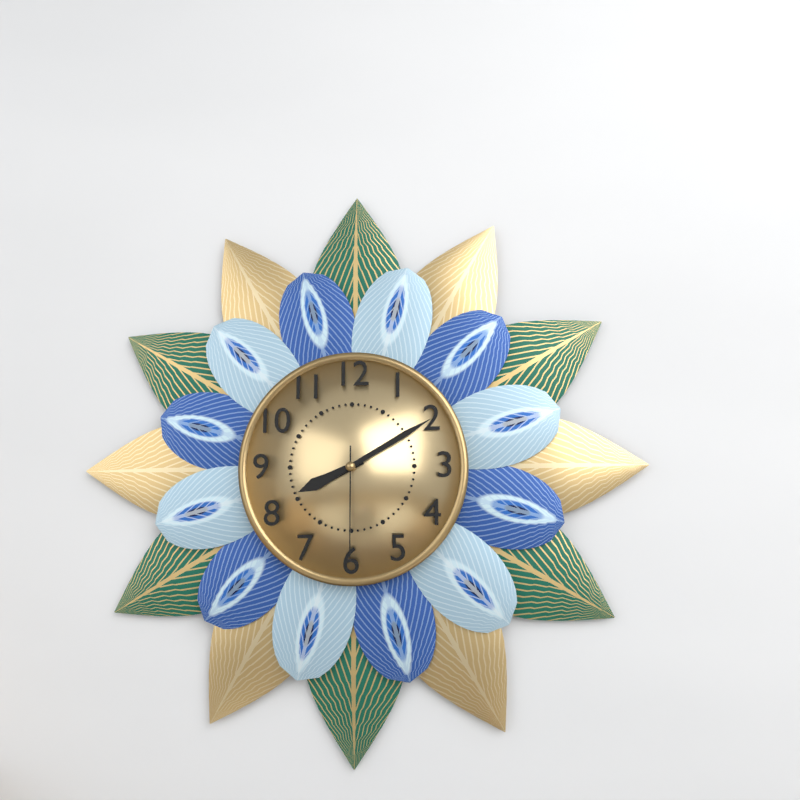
8:10:30
